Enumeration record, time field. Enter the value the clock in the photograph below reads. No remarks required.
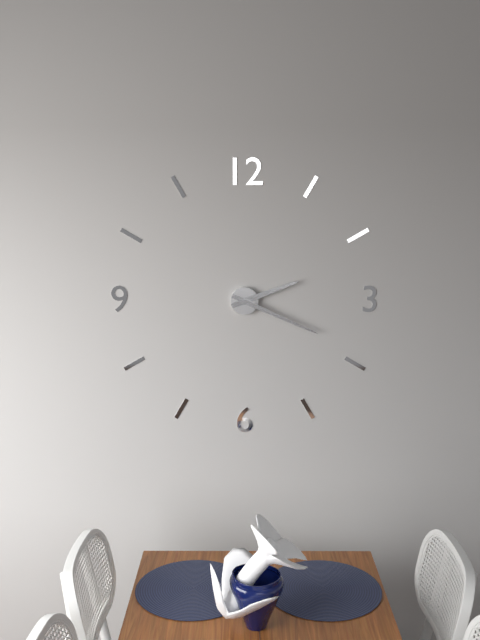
2:19
